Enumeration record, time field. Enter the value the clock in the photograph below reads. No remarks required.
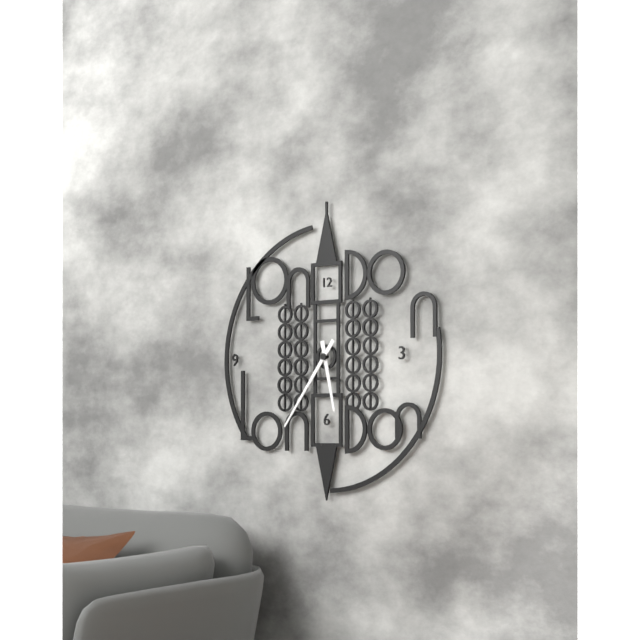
5:36
